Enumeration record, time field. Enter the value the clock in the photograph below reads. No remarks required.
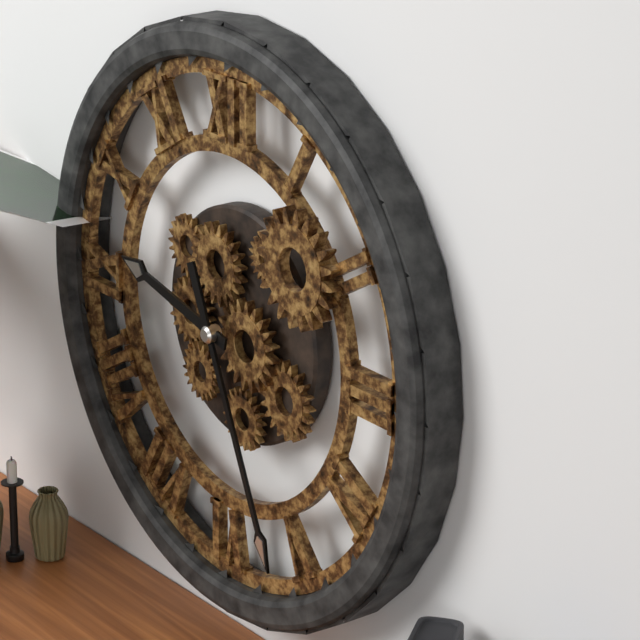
9:26
